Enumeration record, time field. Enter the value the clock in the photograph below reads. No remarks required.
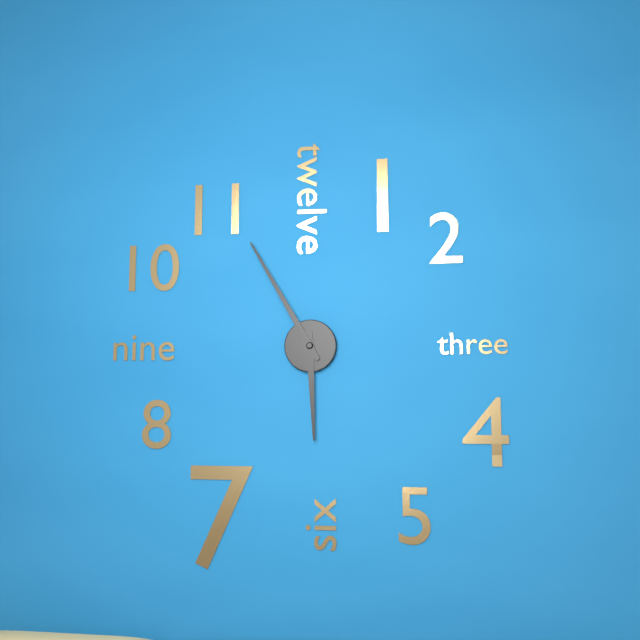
5:55
